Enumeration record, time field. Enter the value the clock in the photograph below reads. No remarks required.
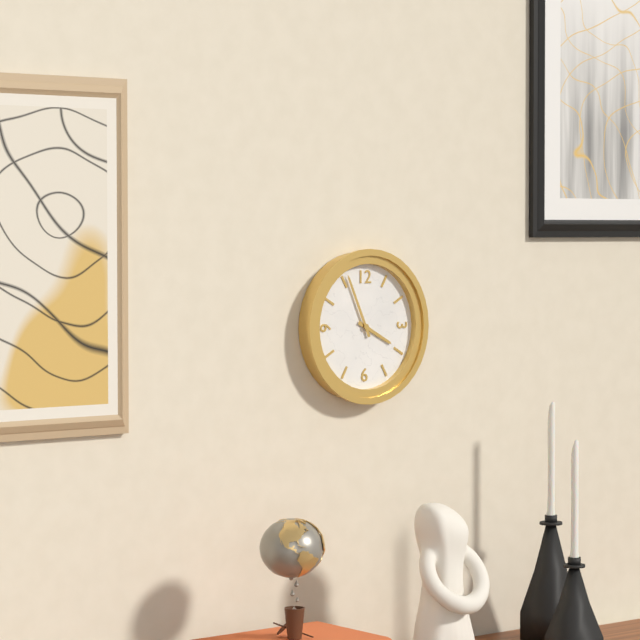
3:56
